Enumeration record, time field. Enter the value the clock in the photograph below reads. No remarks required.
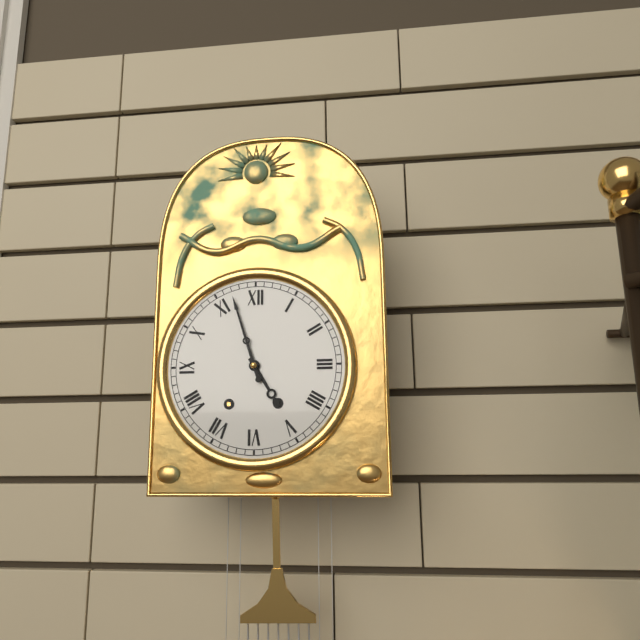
4:57
